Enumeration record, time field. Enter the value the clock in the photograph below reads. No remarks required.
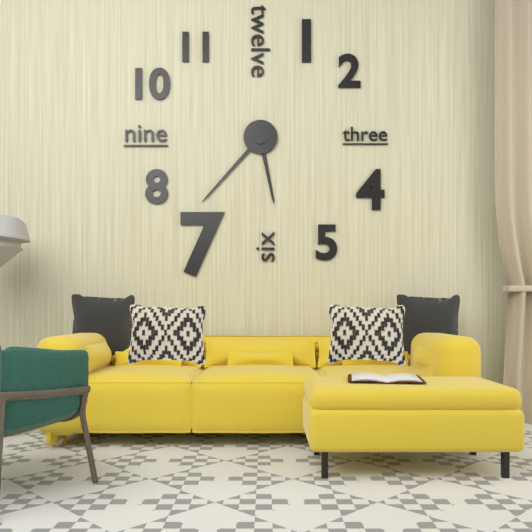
5:37
